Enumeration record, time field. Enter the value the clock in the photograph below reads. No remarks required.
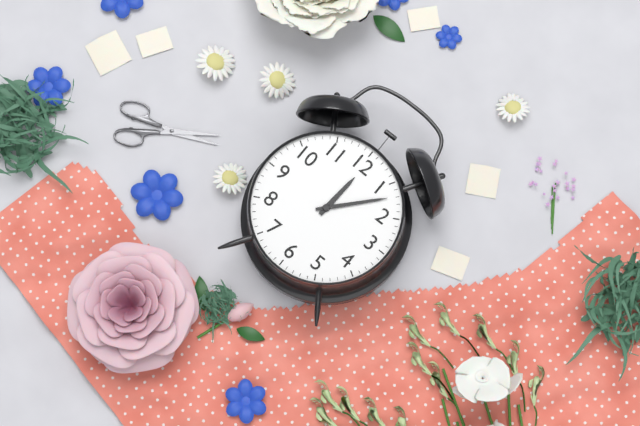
12:07
